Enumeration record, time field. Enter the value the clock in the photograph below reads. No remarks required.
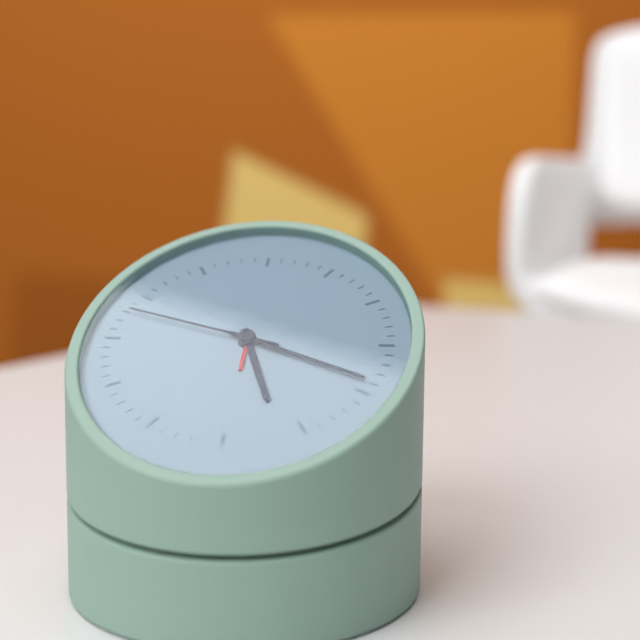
5:19:48
